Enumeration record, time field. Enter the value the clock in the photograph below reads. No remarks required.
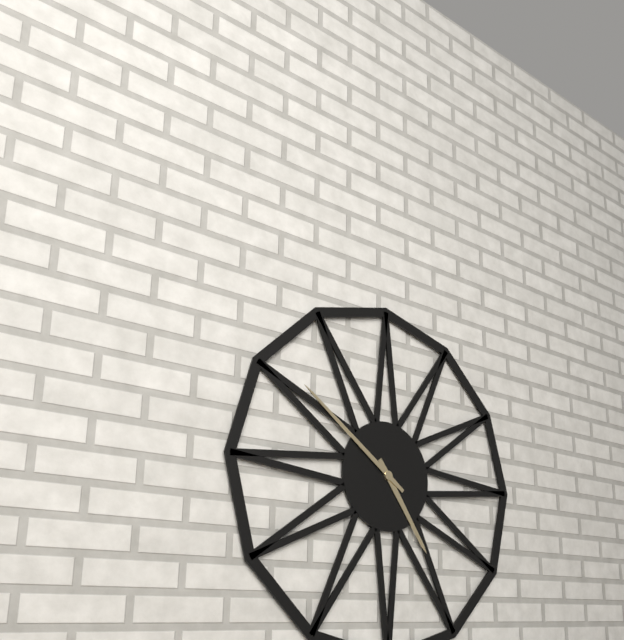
4:51
